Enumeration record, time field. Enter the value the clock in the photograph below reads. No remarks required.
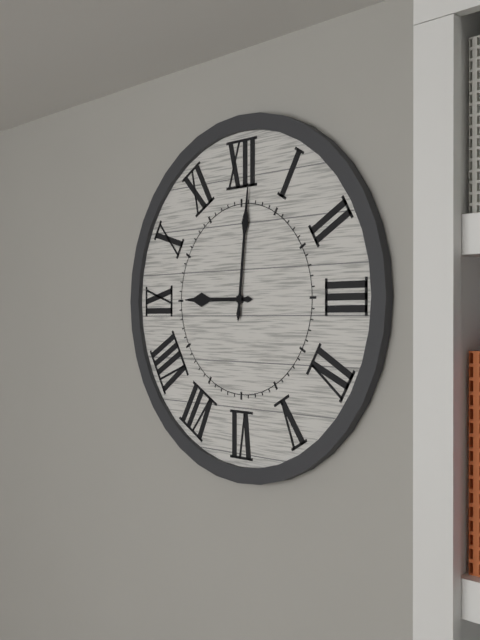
9:01
